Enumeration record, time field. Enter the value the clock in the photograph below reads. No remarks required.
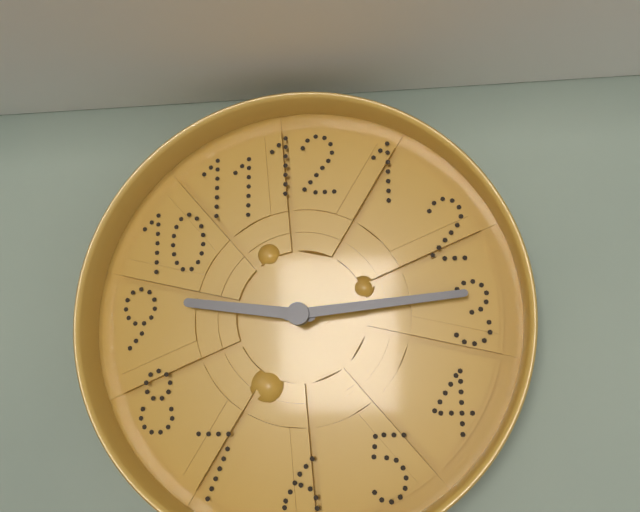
9:14
